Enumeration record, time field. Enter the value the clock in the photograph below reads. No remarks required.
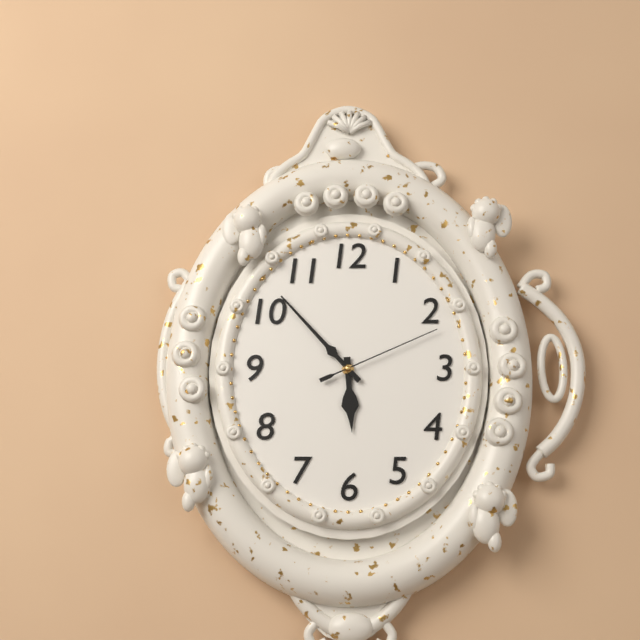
5:53:11
